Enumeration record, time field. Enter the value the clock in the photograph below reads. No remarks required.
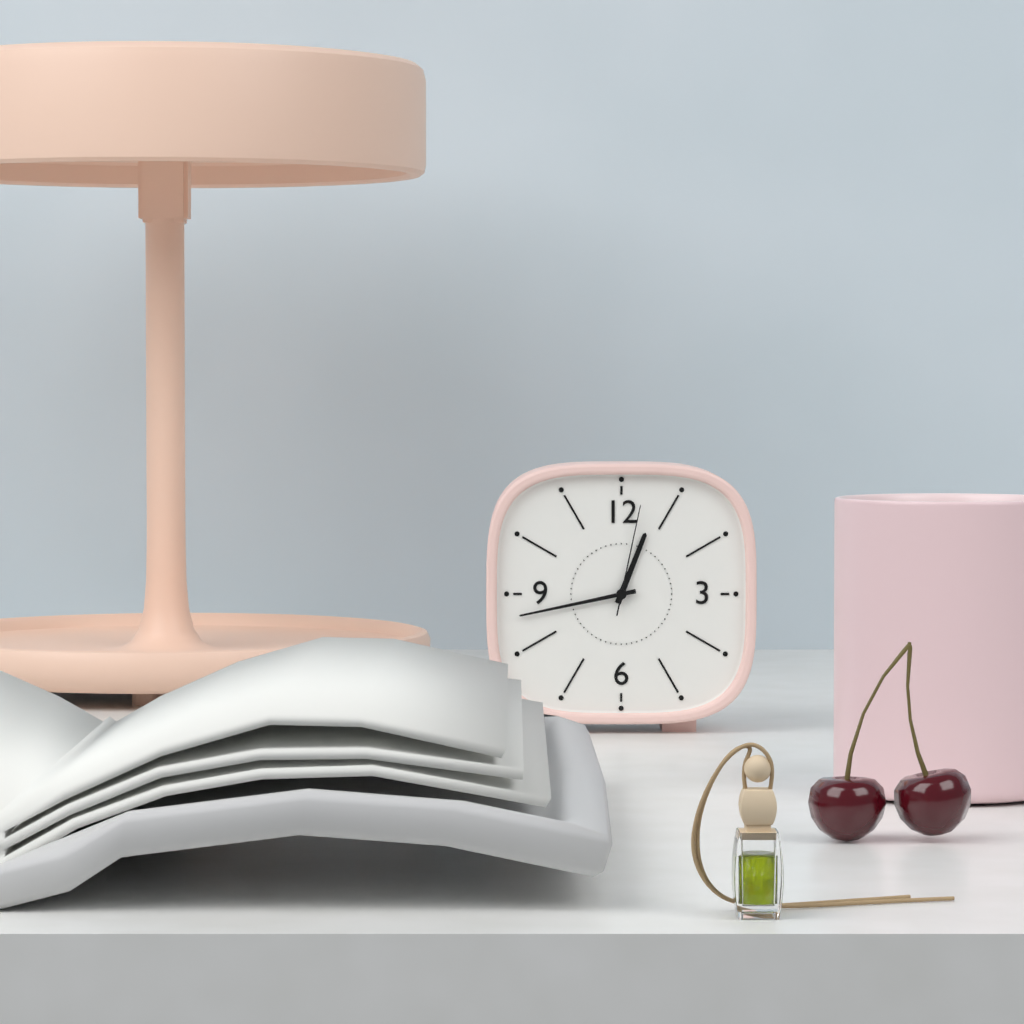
12:43:02
